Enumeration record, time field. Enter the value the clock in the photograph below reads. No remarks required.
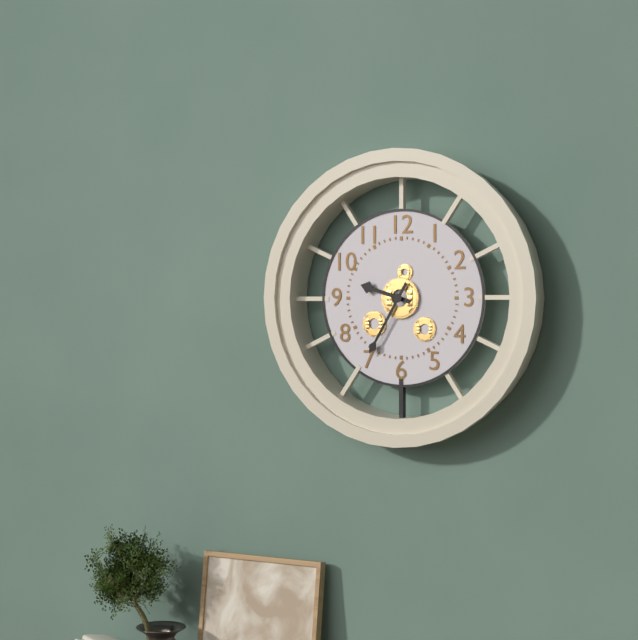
9:35
